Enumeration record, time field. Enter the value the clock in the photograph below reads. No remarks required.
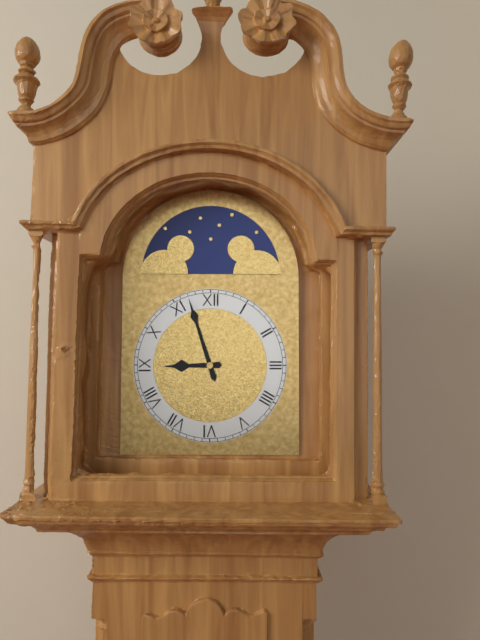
8:57
